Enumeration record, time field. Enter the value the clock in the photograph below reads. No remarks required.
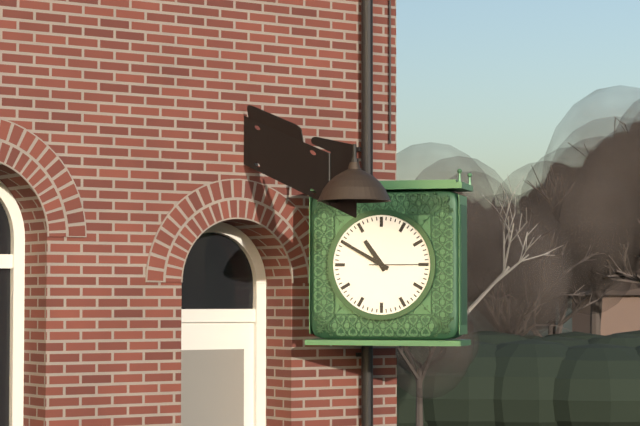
10:50
